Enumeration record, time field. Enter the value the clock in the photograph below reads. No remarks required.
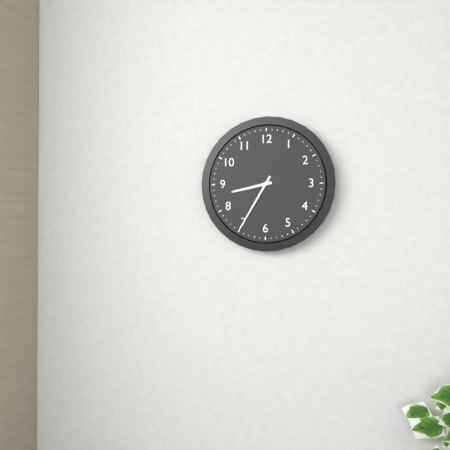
8:35
